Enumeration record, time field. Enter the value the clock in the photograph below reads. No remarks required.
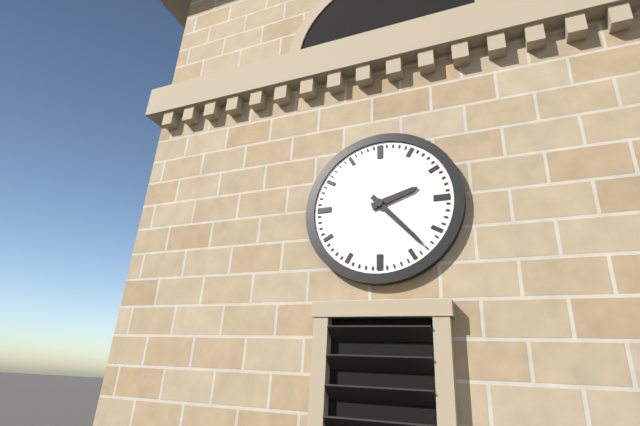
2:23
